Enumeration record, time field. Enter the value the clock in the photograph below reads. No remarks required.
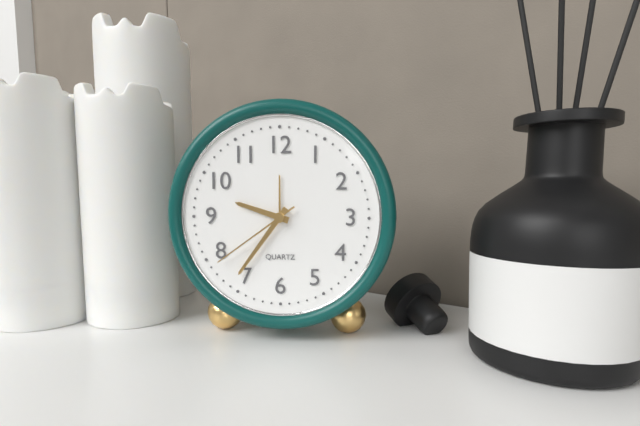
9:36:39
